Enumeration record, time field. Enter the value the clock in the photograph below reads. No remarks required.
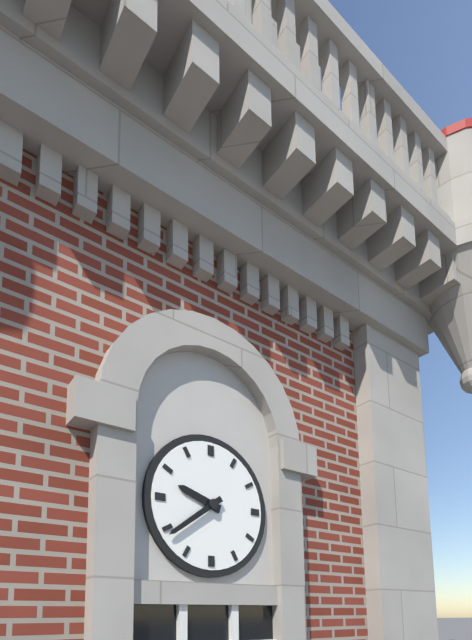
9:39
